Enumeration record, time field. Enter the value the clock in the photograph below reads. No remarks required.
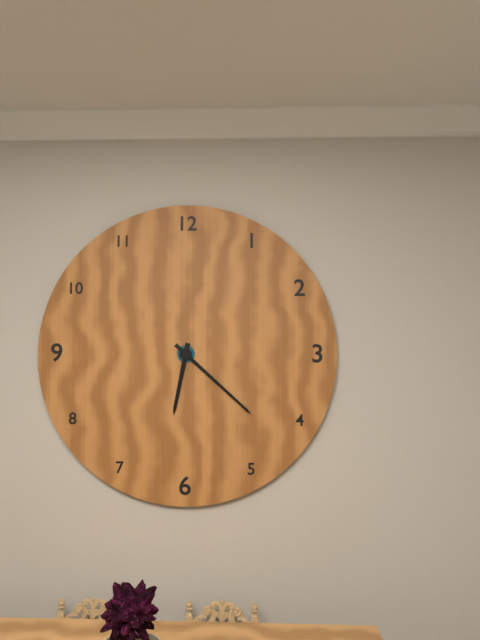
6:22
